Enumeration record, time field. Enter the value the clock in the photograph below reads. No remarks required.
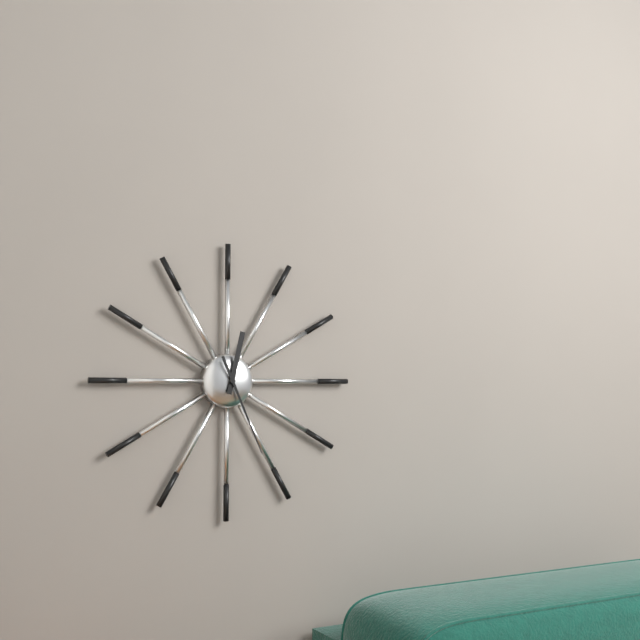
12:26
